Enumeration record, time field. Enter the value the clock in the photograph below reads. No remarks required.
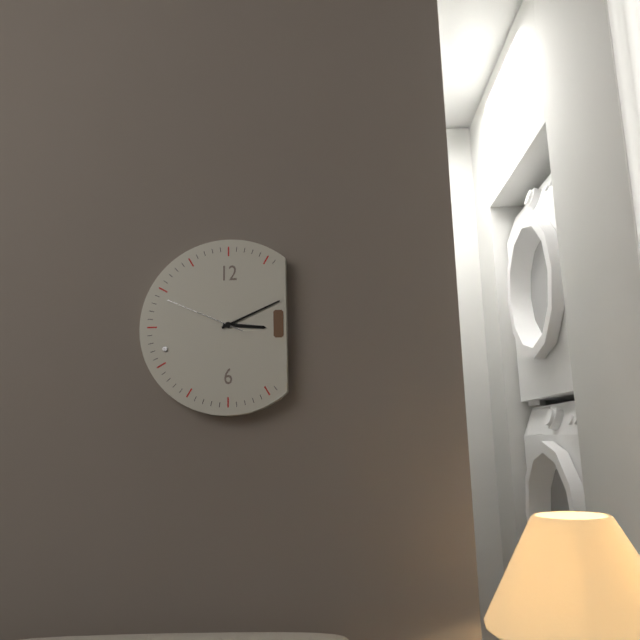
3:11:49
